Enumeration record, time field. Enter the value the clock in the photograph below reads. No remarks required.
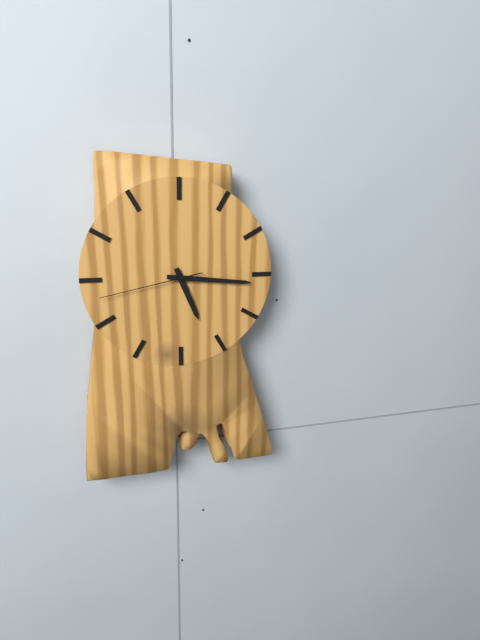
5:16:43
